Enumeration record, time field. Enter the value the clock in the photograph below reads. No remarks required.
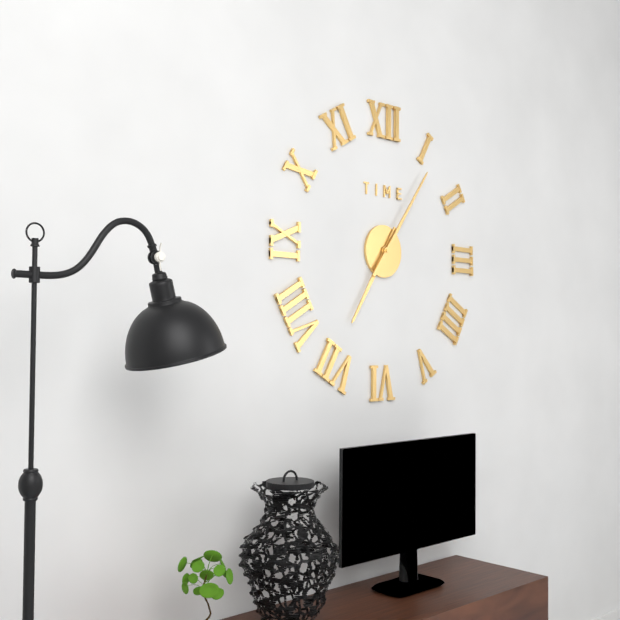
7:06
